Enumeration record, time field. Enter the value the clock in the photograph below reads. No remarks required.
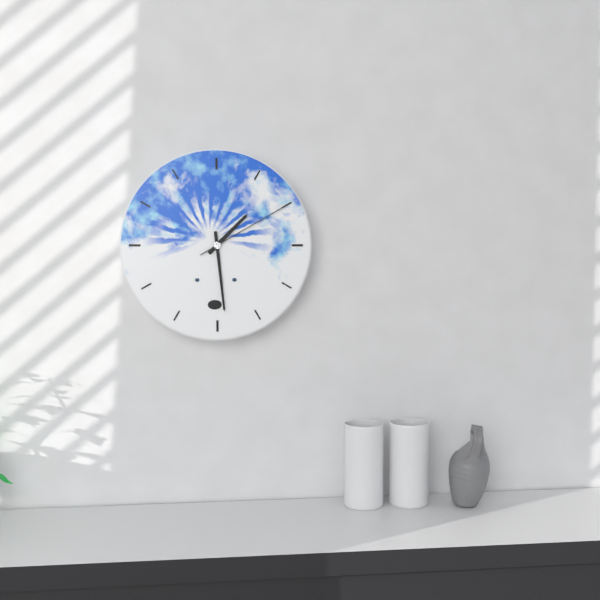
1:29:10
